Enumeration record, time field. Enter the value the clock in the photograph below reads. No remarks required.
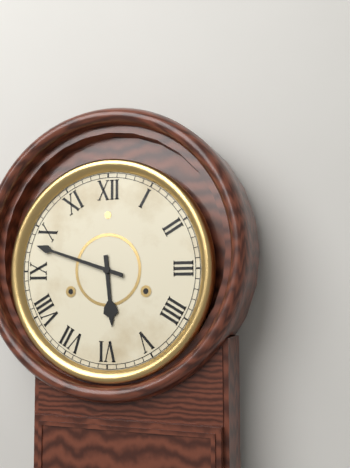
5:48
